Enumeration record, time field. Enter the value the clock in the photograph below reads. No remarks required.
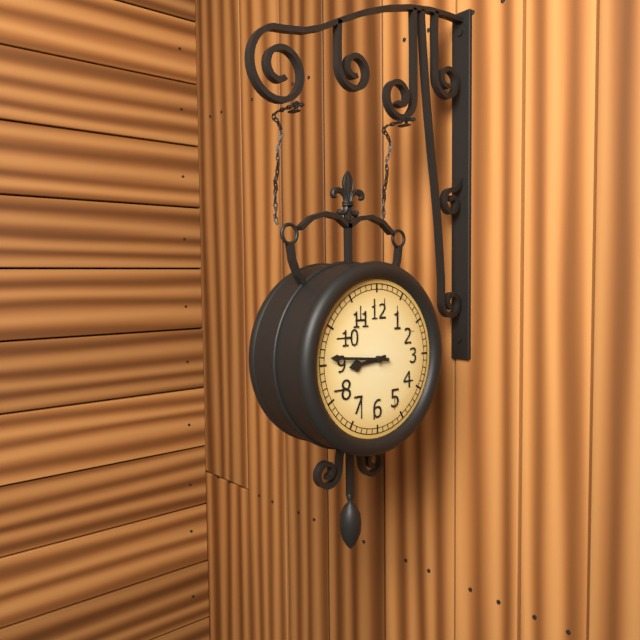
8:46
